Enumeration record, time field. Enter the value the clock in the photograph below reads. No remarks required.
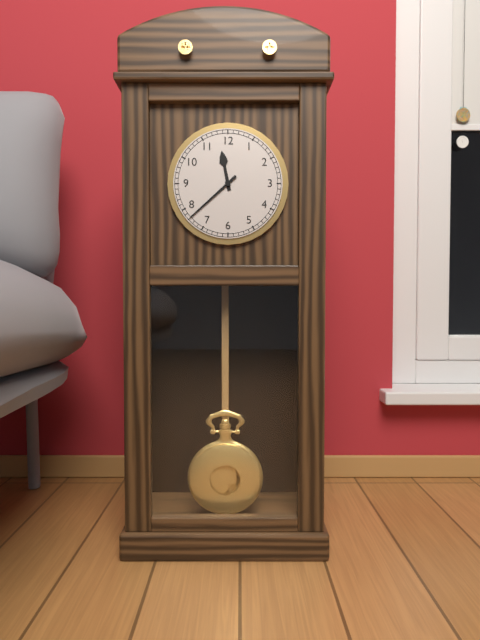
11:38
